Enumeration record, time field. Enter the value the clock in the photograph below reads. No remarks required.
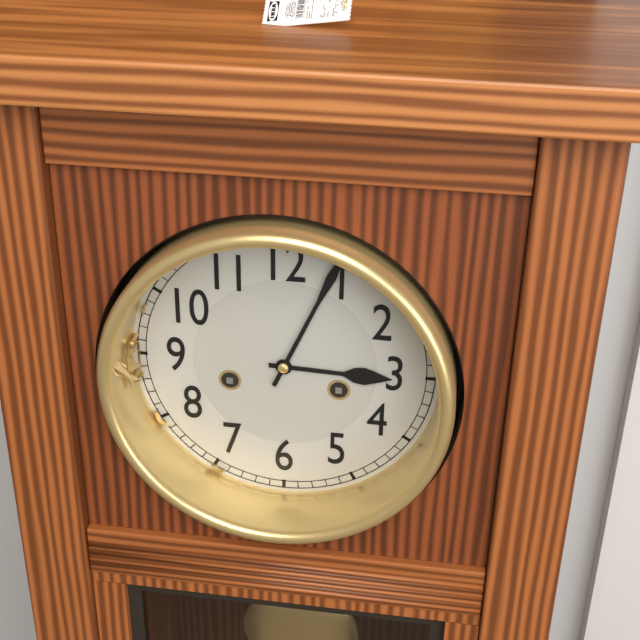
3:04
